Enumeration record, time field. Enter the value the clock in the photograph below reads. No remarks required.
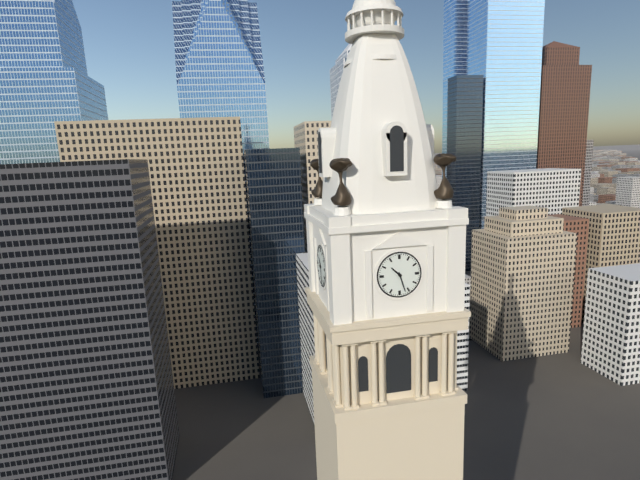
10:27
